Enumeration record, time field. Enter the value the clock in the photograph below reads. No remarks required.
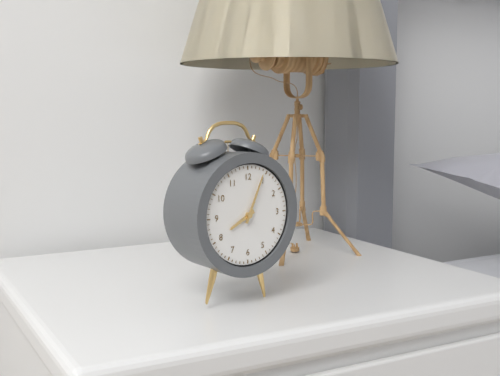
8:04
